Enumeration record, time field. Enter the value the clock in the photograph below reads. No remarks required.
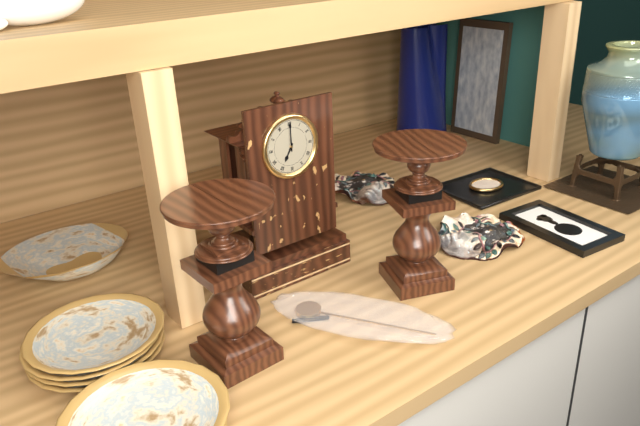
7:00
